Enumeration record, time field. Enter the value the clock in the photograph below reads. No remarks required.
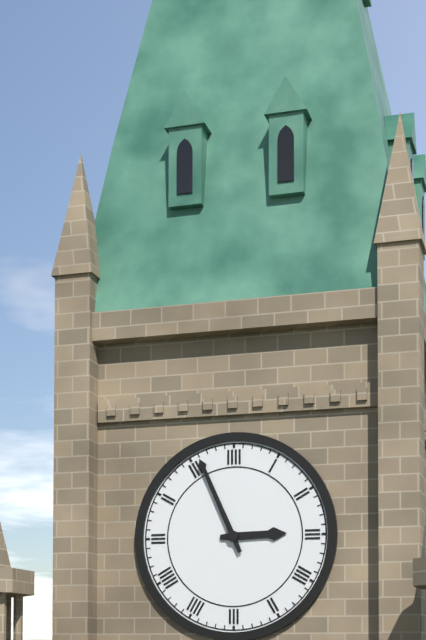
2:56
